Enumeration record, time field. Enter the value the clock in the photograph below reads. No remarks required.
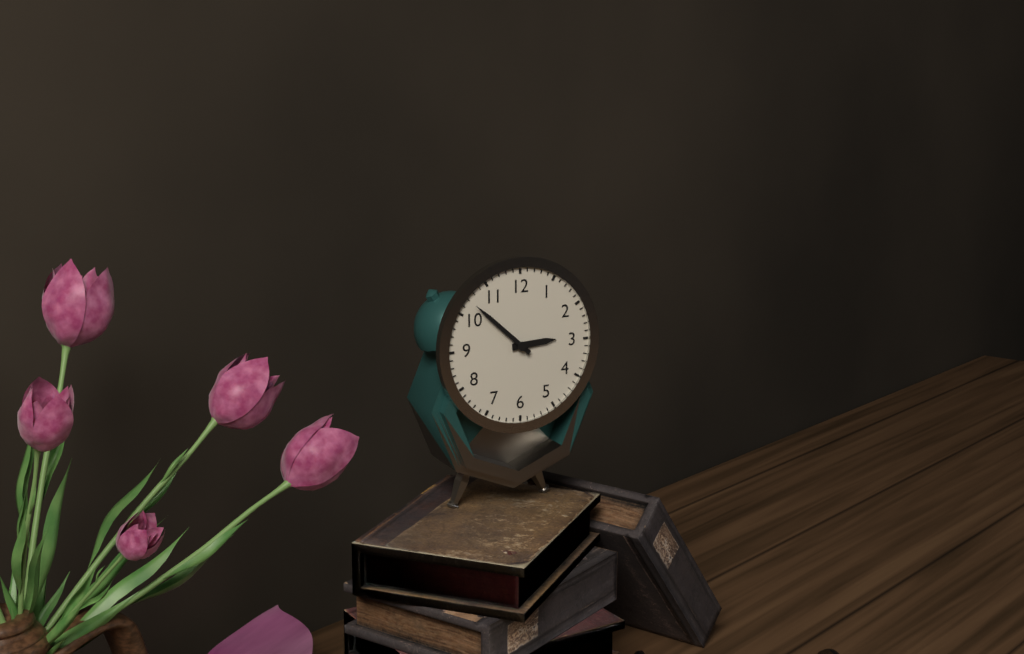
2:52
